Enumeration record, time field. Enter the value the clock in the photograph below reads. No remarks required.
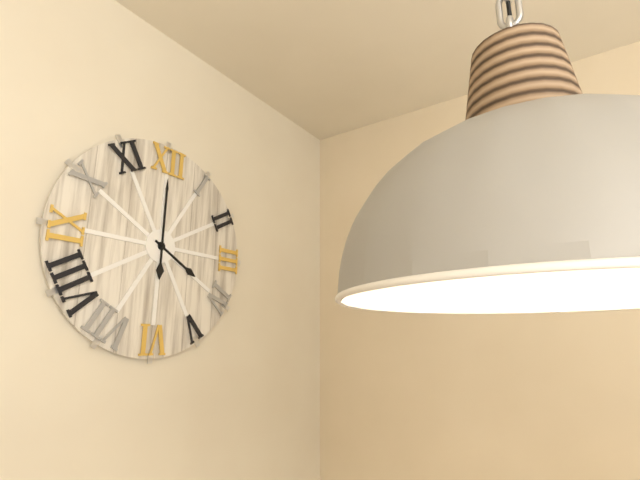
4:00
